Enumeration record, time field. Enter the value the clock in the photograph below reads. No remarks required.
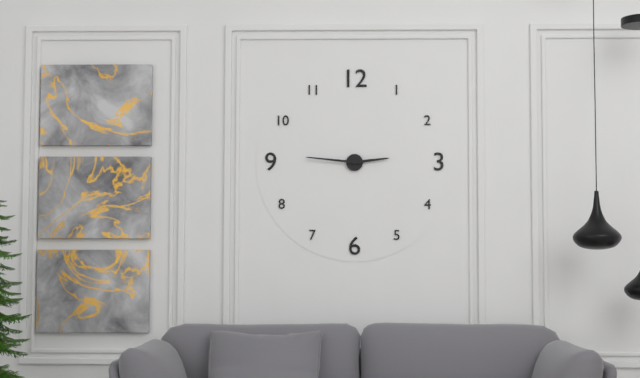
2:46
